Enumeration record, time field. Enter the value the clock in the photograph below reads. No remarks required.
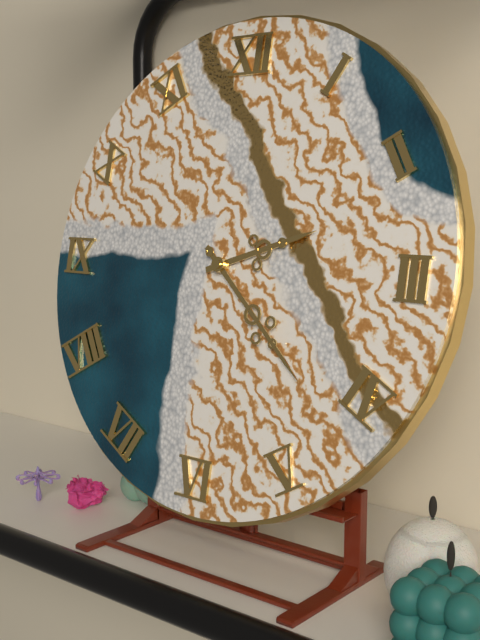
2:22
